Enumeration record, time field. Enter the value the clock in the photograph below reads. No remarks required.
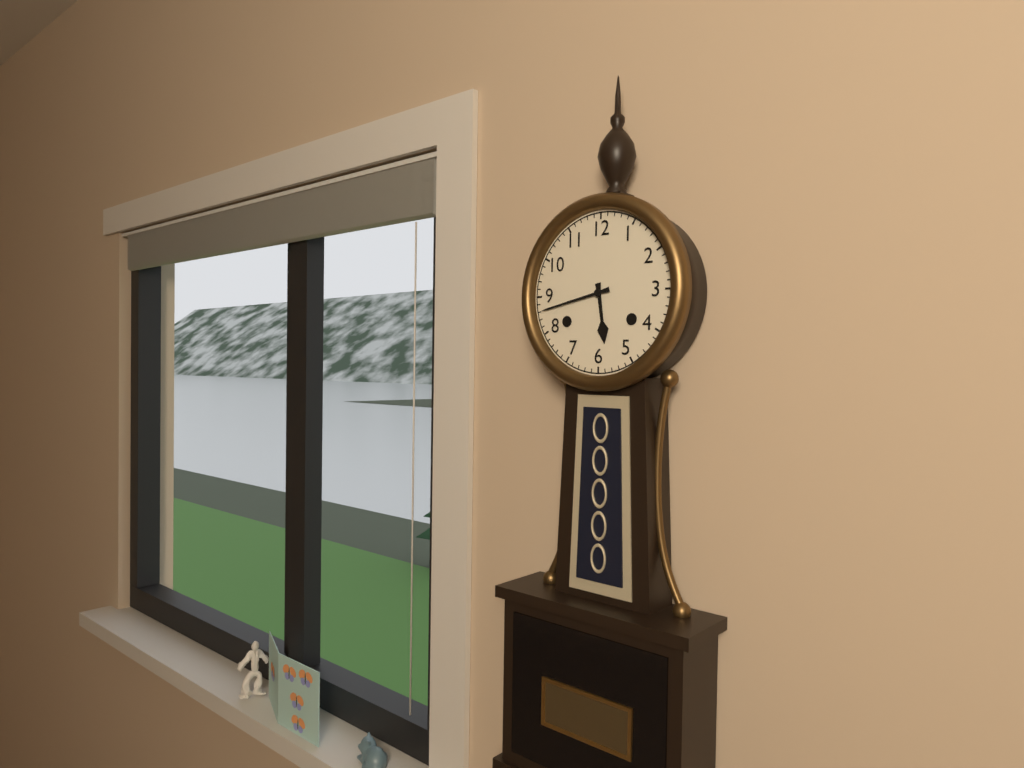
5:43
